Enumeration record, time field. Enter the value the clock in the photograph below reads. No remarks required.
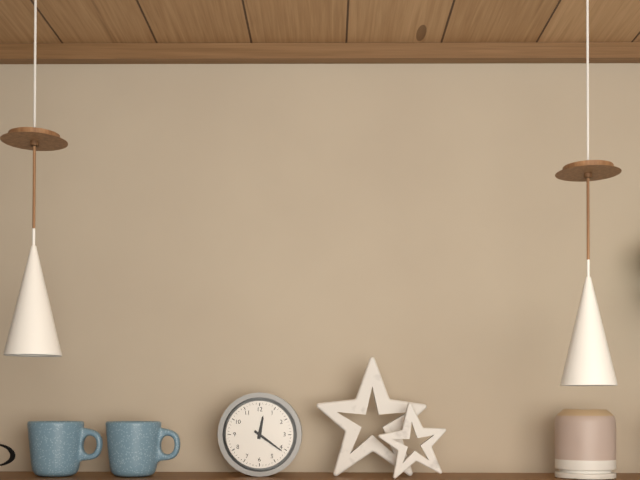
12:21
